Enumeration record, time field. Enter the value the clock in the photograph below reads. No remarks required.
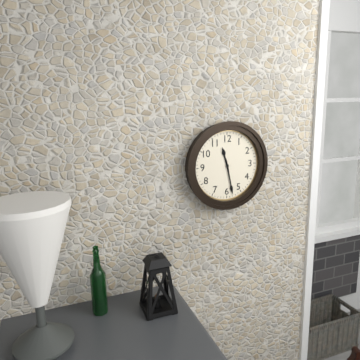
11:28
